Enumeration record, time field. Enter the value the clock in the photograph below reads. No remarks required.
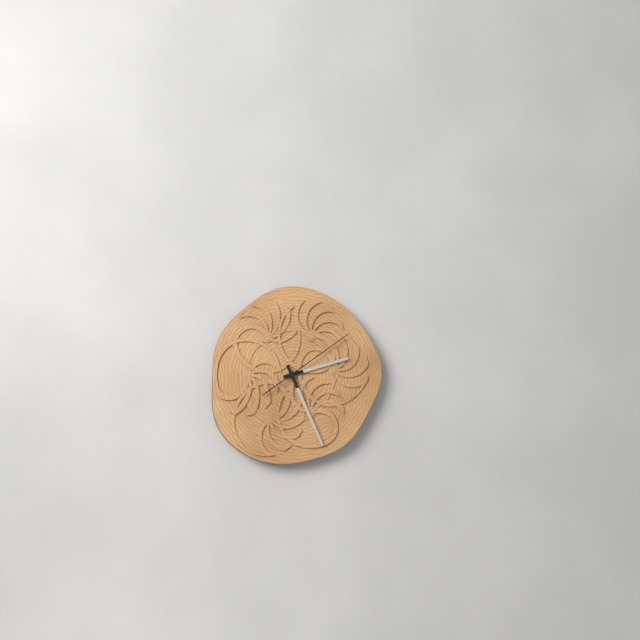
2:26:09
